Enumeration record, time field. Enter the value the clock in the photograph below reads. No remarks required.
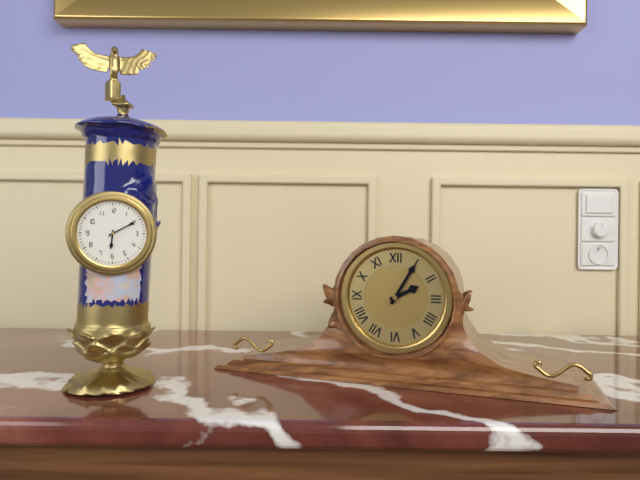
6:10
